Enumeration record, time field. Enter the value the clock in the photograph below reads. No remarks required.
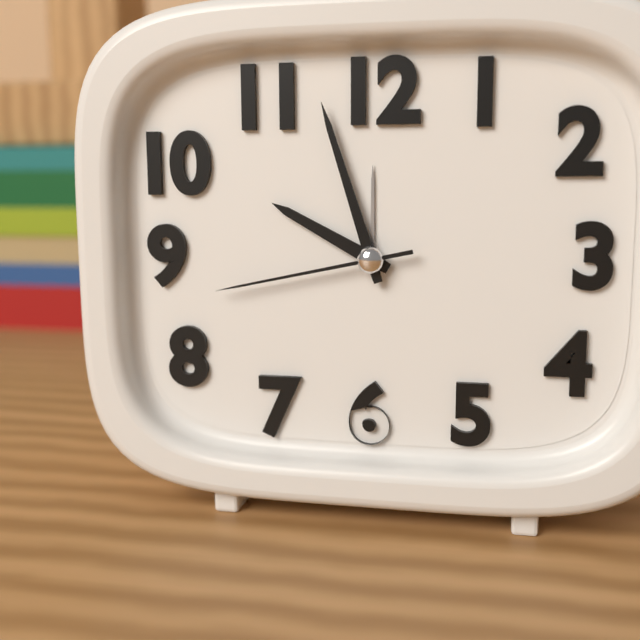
9:57:43
